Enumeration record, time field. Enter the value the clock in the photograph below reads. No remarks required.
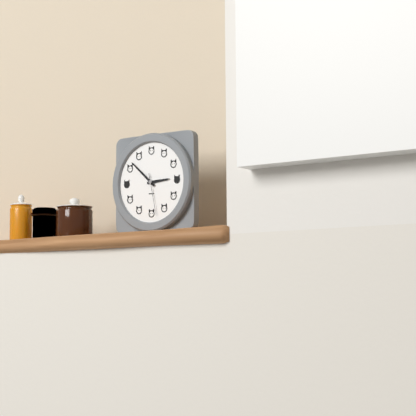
2:52
